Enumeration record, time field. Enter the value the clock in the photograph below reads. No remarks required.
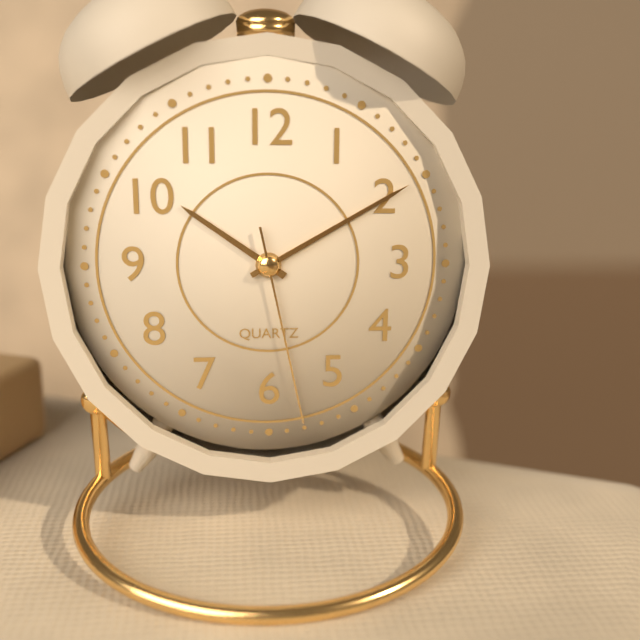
10:10:28
